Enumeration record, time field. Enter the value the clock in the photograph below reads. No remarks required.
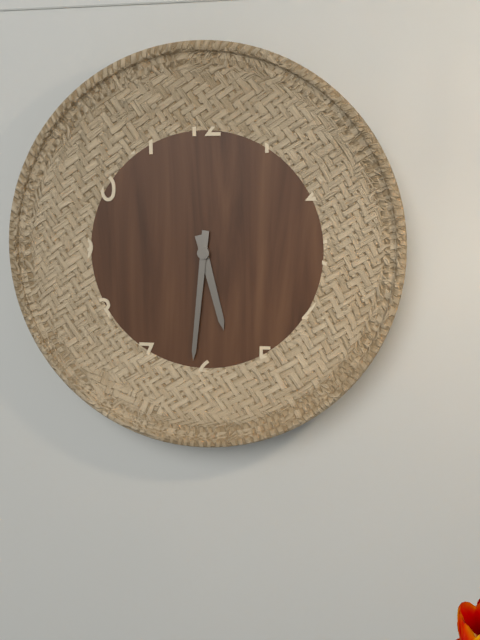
5:31
